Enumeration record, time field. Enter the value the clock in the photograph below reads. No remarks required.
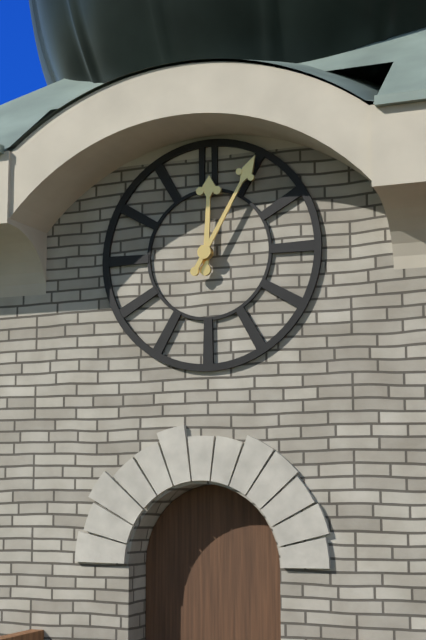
12:05
